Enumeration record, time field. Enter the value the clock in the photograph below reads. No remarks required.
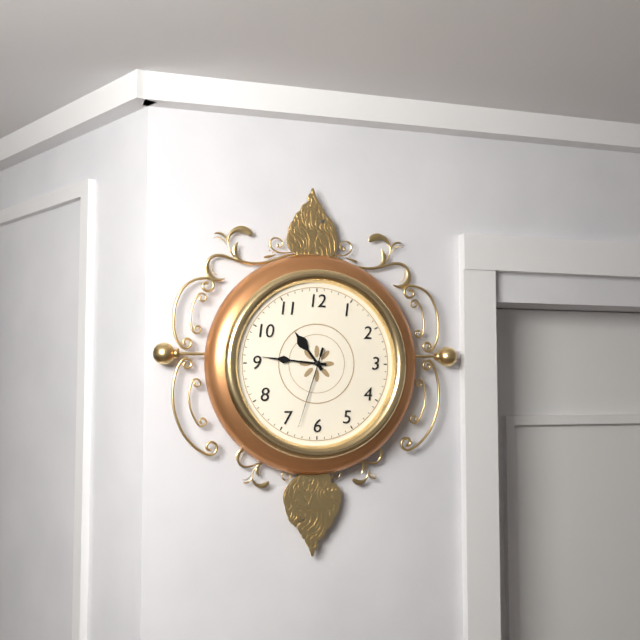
10:46:33
